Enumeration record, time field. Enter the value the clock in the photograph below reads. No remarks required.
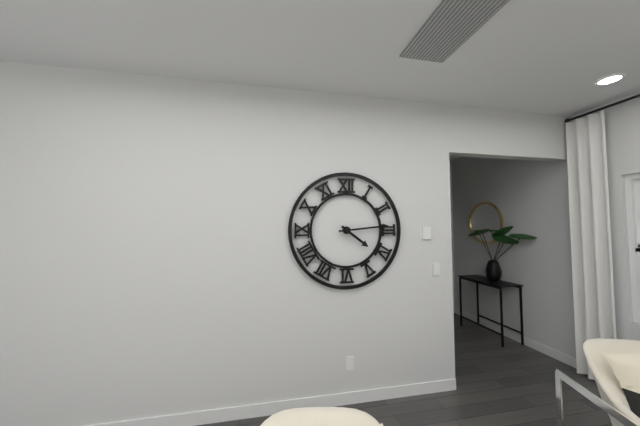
4:14
